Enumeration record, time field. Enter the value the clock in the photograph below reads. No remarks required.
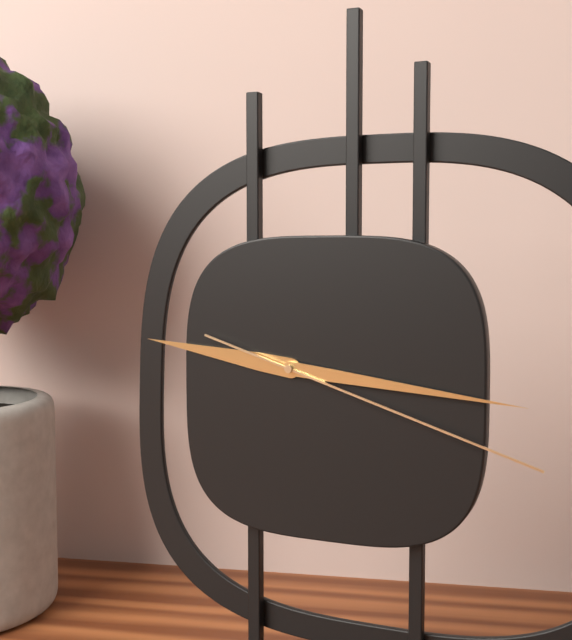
9:16:18
